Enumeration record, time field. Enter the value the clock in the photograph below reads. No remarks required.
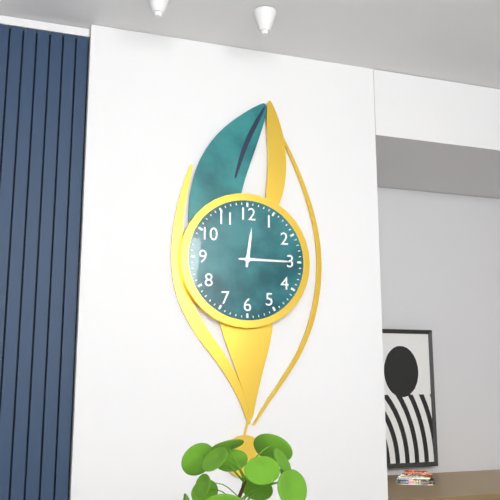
12:15
